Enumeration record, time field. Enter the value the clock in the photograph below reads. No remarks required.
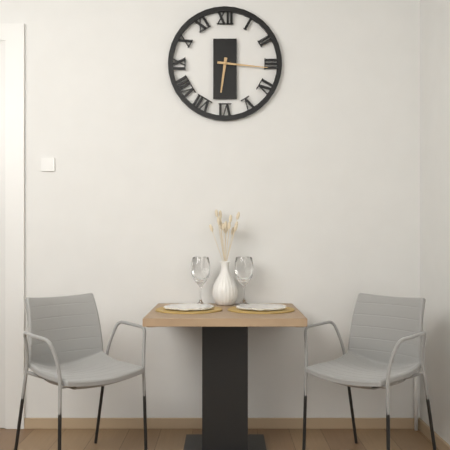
6:16
